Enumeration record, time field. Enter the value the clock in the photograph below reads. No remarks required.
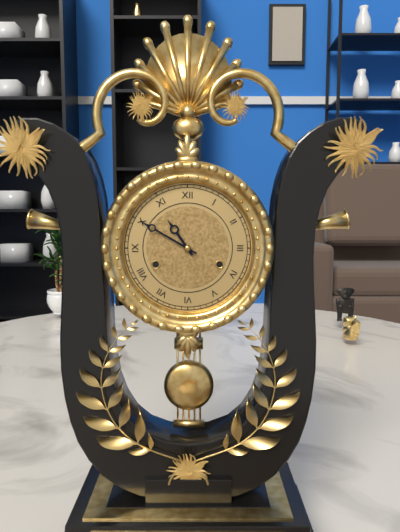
10:50
